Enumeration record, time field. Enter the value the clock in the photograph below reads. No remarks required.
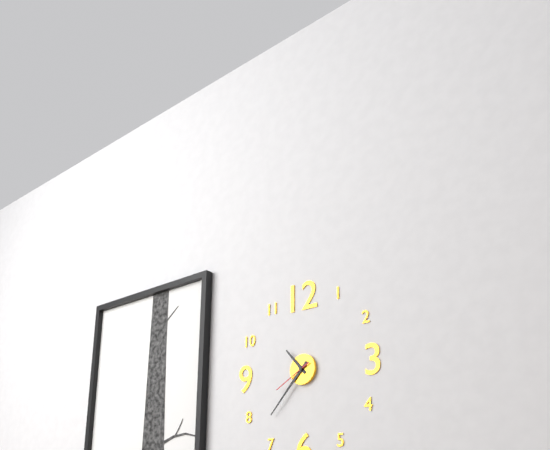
10:37
